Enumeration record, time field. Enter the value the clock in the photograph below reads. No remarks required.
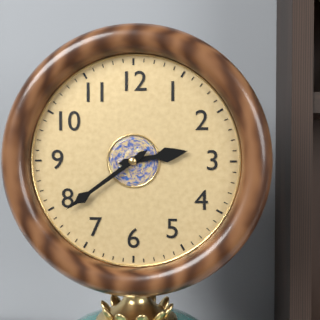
2:39
